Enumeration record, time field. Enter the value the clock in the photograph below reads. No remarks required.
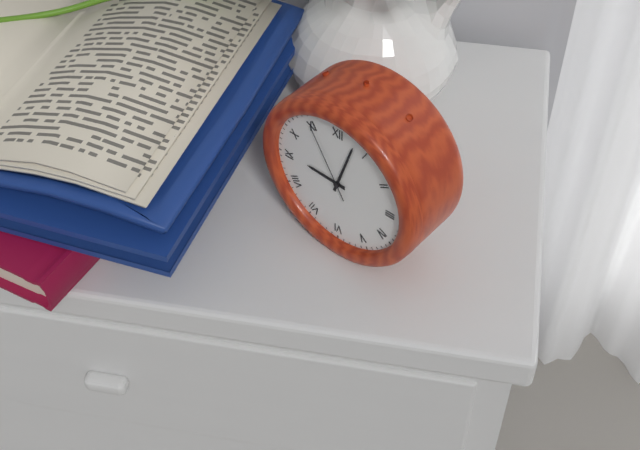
9:03:55
